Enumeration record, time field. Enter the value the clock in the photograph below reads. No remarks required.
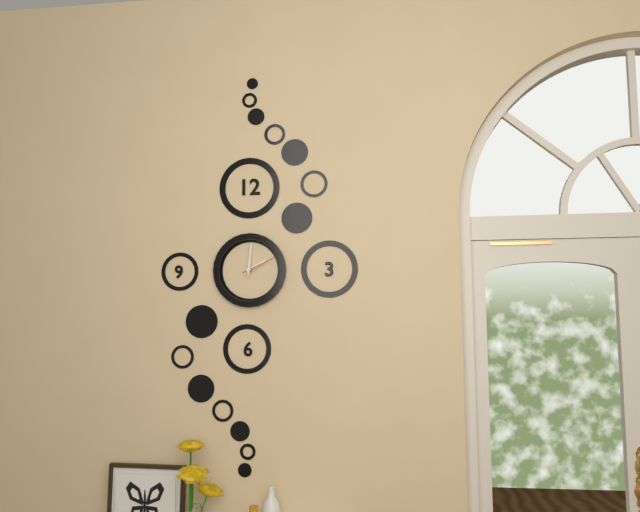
2:01
